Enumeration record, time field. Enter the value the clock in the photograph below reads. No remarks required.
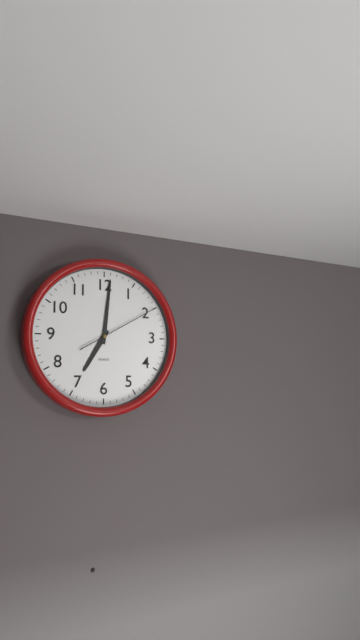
7:01:10
